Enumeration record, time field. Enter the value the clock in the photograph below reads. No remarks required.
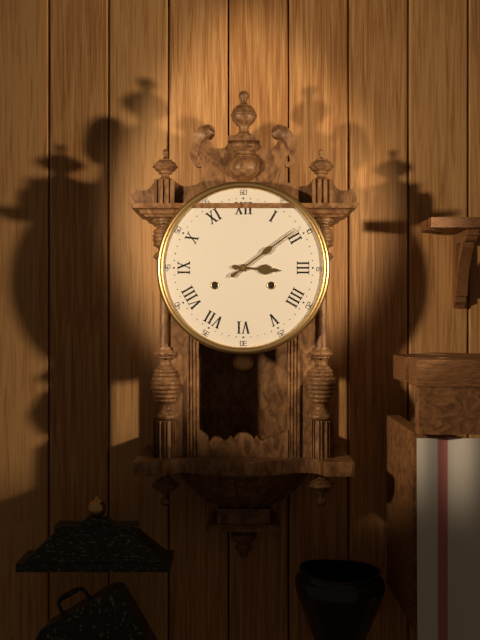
3:09
